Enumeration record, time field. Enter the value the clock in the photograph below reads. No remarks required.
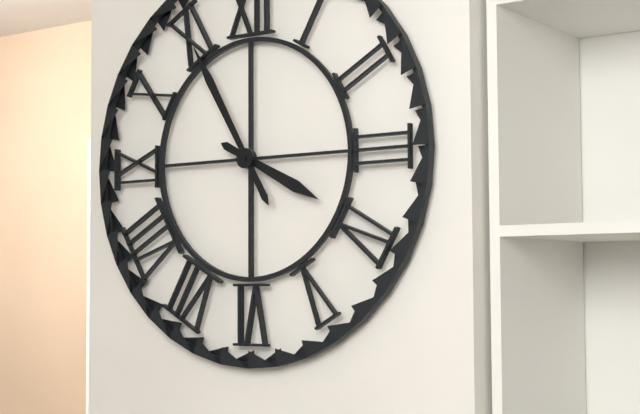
3:55
